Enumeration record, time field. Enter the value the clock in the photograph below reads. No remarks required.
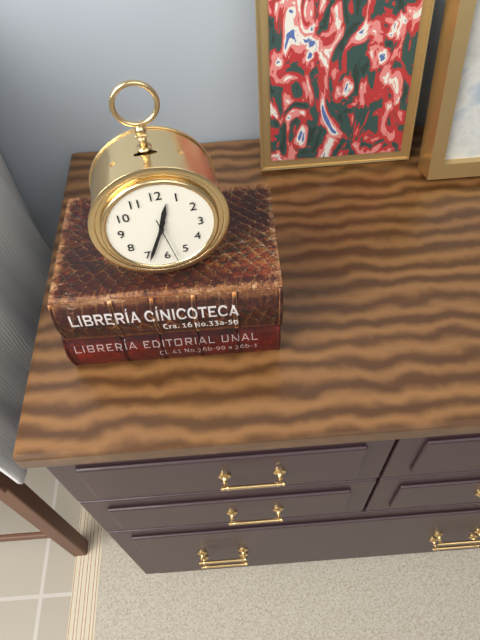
12:34
